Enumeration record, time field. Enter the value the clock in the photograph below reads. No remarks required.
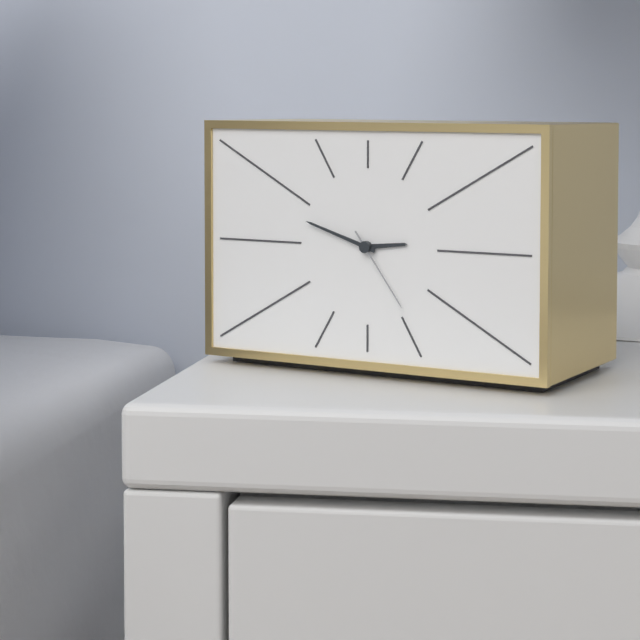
2:48:24
